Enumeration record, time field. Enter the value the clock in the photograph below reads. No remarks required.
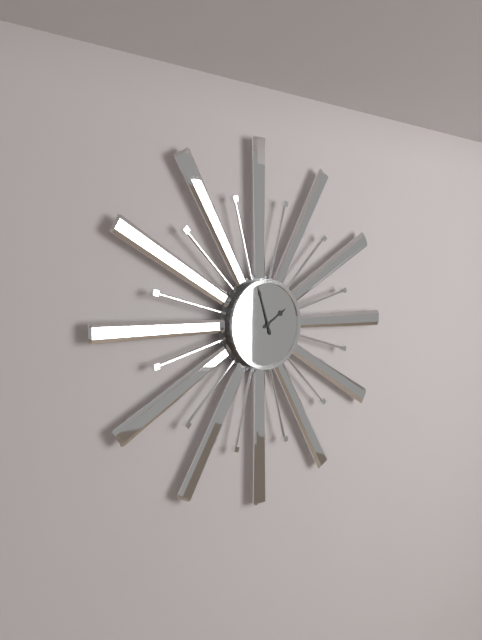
1:57
